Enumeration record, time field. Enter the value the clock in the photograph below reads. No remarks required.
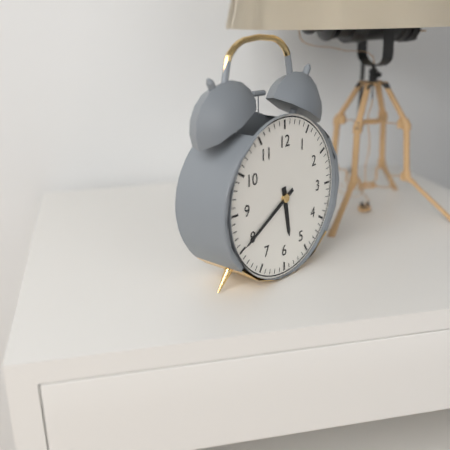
5:40
